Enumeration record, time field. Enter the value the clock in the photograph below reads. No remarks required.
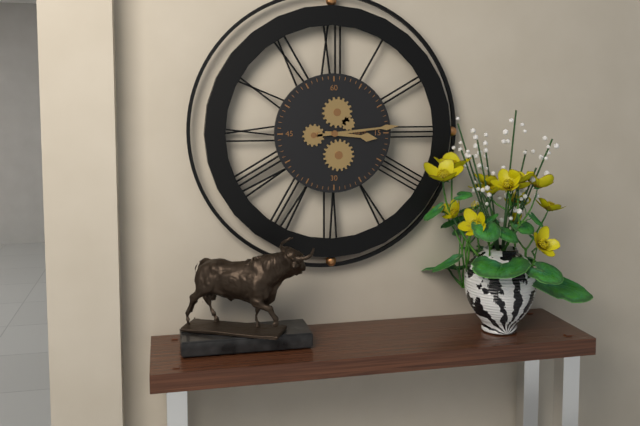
3:14
